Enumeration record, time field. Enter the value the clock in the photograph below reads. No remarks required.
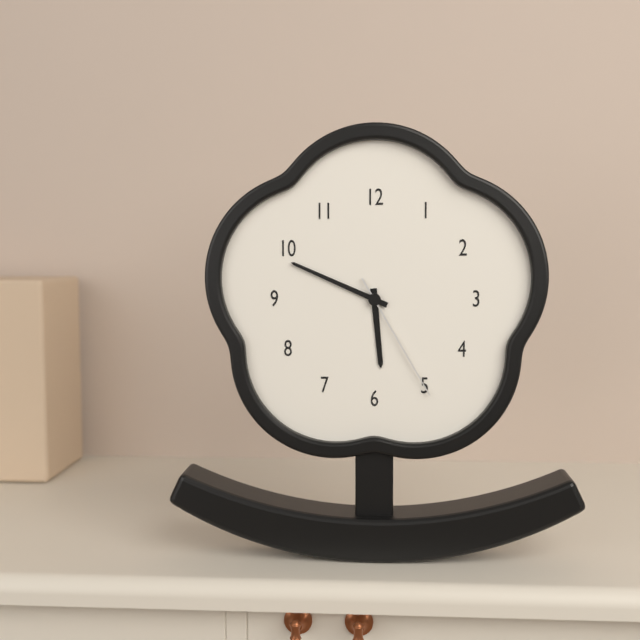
5:49:25
